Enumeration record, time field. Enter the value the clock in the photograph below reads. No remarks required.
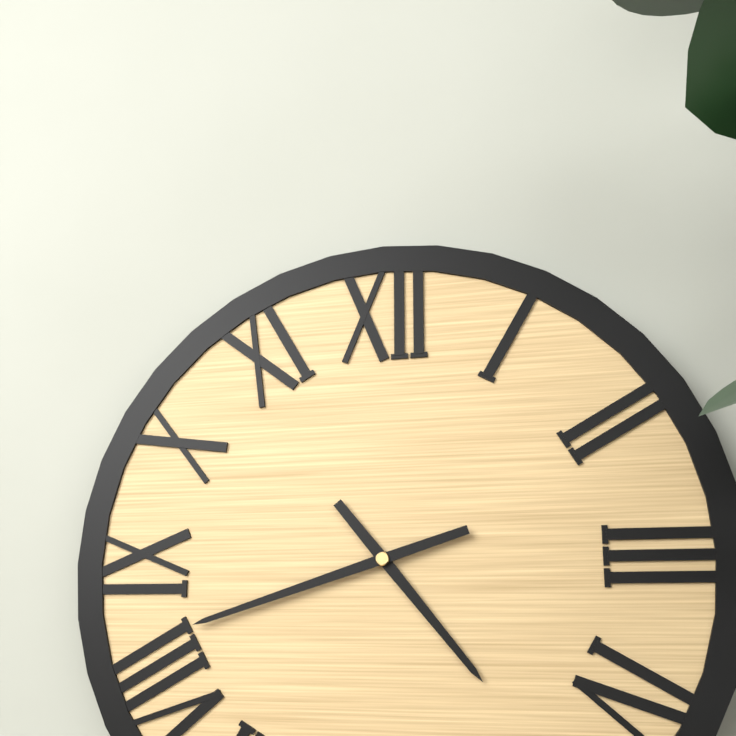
4:42
